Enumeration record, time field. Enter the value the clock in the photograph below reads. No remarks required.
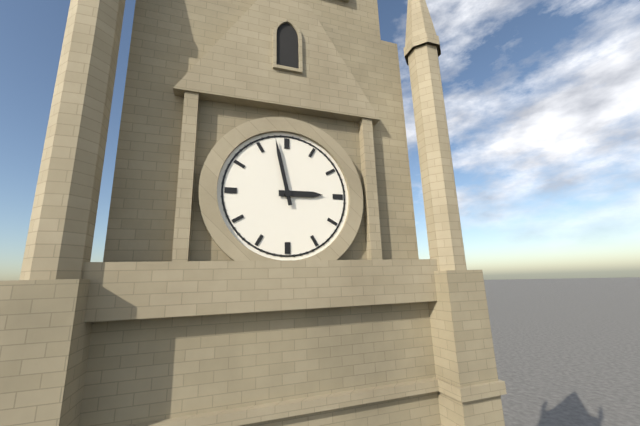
2:58
